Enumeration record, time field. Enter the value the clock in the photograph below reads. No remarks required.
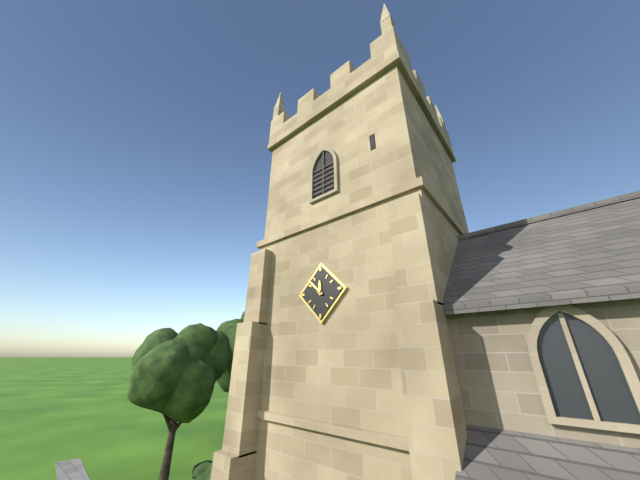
11:52
